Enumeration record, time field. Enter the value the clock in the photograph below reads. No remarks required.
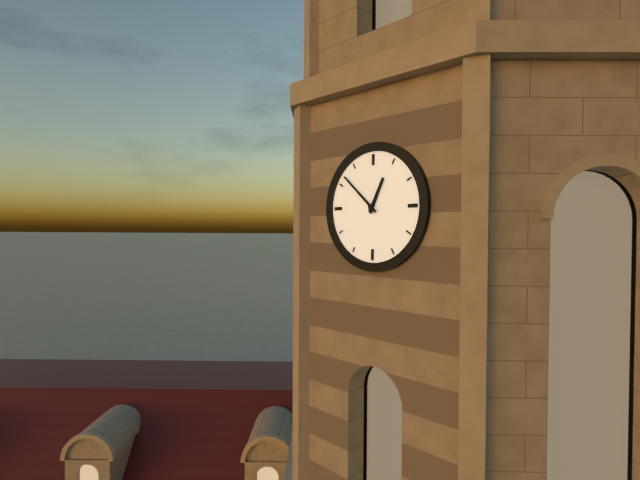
12:52
